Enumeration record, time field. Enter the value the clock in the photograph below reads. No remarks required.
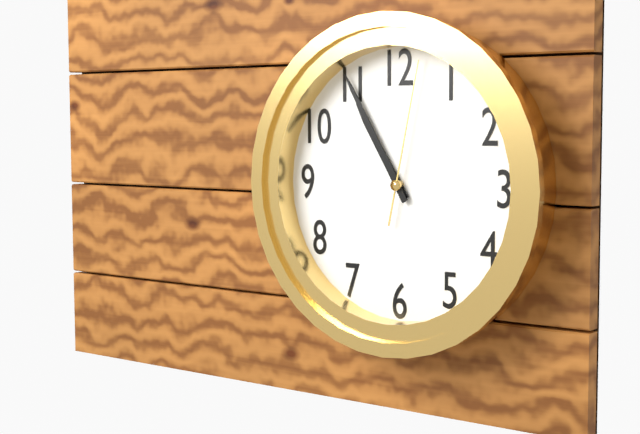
10:55:02
